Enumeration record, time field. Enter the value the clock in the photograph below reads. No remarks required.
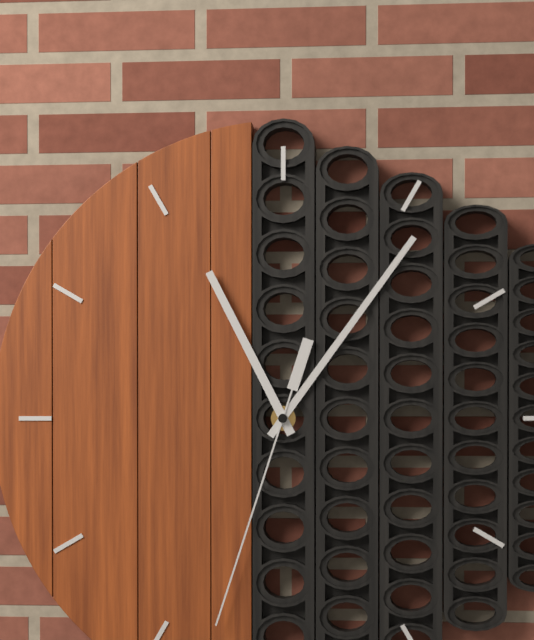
11:06:33
